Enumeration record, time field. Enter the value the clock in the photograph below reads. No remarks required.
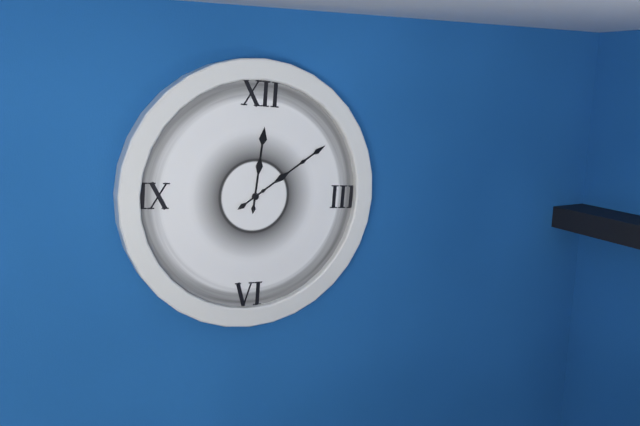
12:09
